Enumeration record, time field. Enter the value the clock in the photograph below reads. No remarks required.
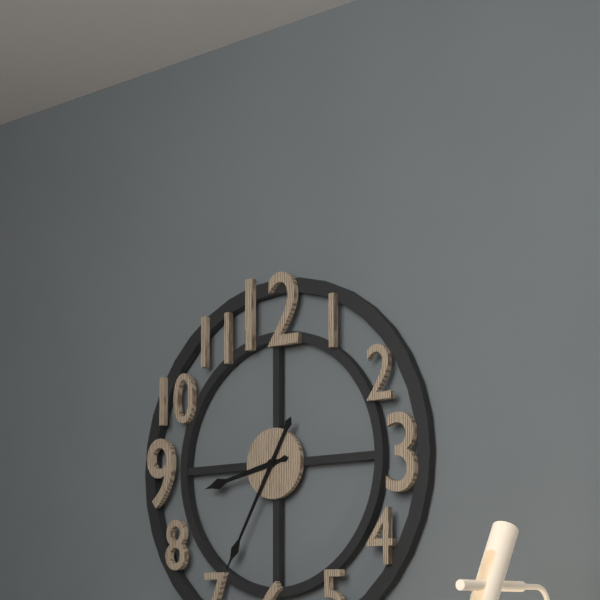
8:35
